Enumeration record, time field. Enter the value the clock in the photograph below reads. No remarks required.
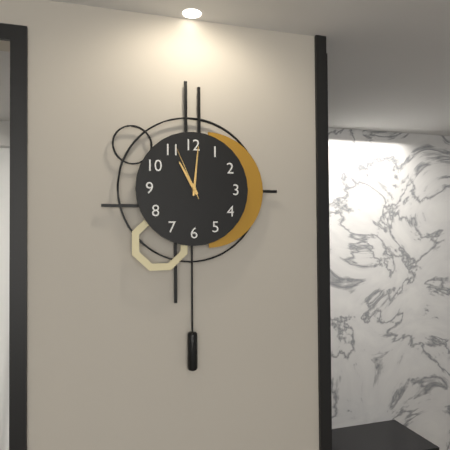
11:01:56
